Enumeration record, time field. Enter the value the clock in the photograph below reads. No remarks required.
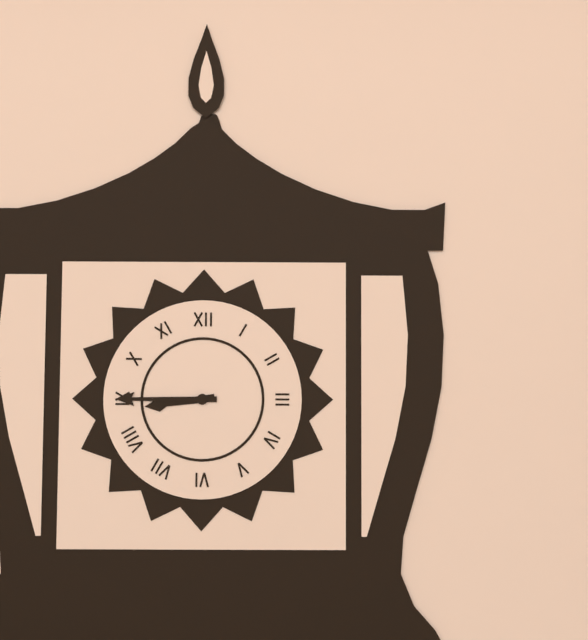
8:45
